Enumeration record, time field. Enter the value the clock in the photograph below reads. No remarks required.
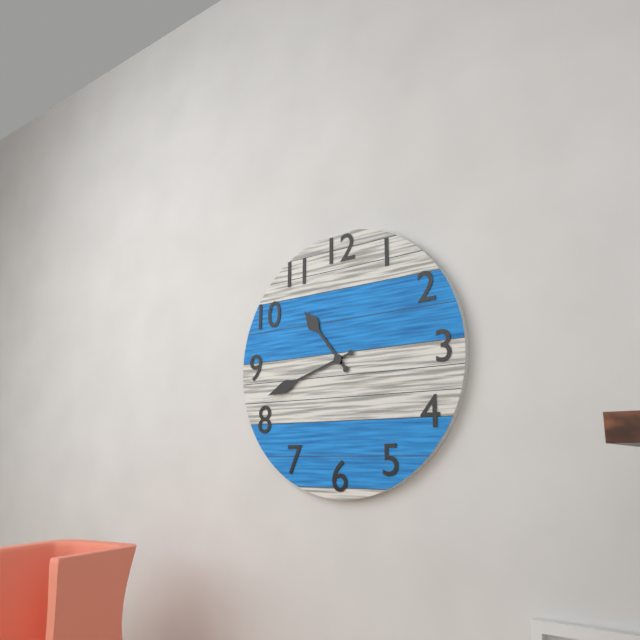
10:42
